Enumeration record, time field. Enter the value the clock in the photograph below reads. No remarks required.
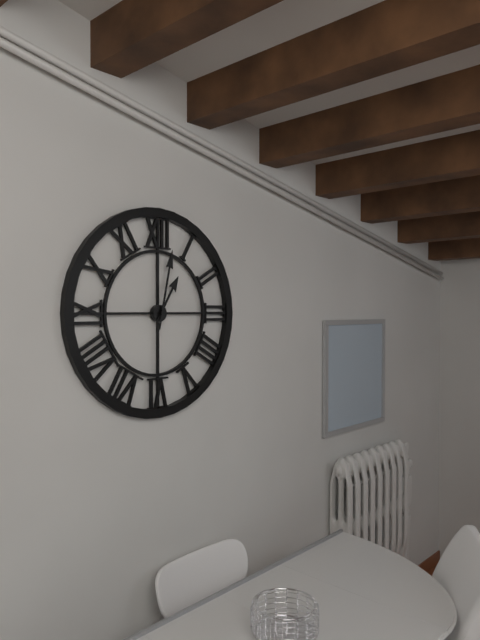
1:02
